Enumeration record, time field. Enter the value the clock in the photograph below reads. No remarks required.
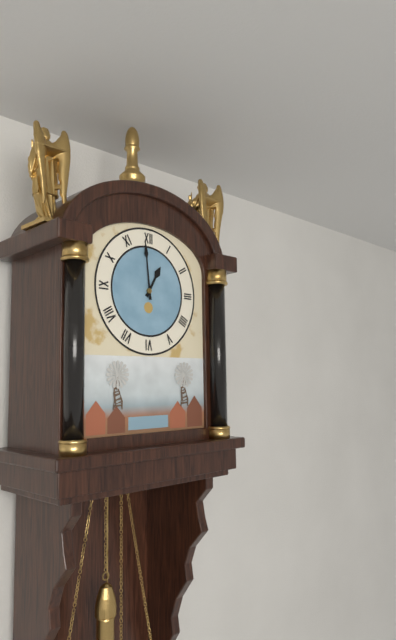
12:59
